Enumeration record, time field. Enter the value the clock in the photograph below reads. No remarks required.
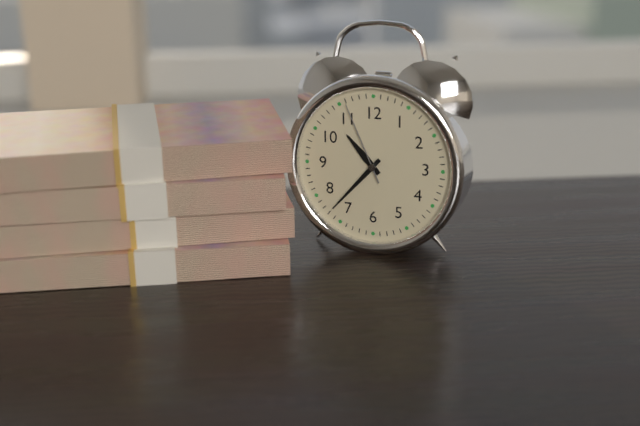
10:37:56
